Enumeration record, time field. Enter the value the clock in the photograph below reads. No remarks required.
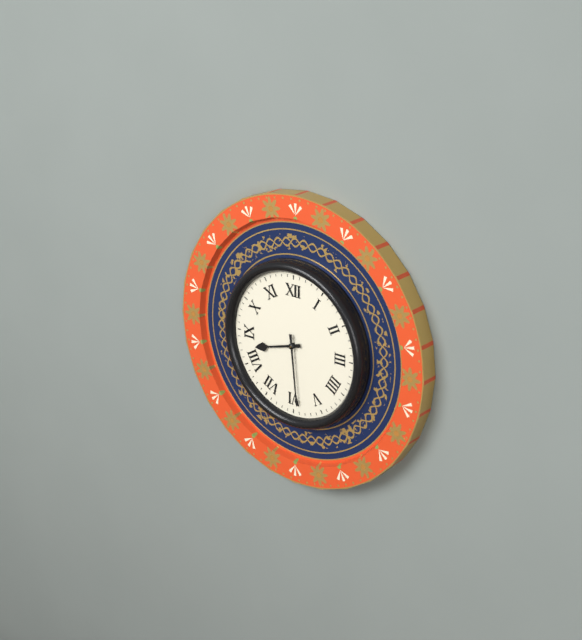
8:29
